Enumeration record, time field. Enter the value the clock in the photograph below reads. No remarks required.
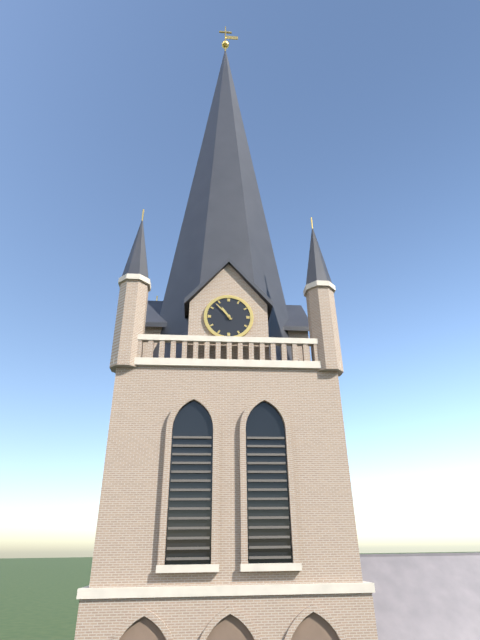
10:53
